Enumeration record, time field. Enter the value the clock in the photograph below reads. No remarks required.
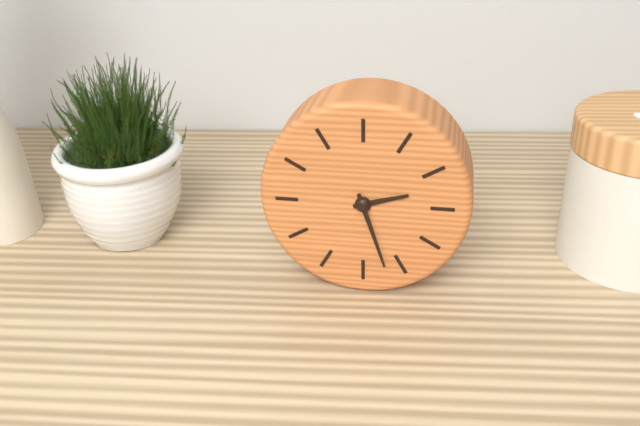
2:27
